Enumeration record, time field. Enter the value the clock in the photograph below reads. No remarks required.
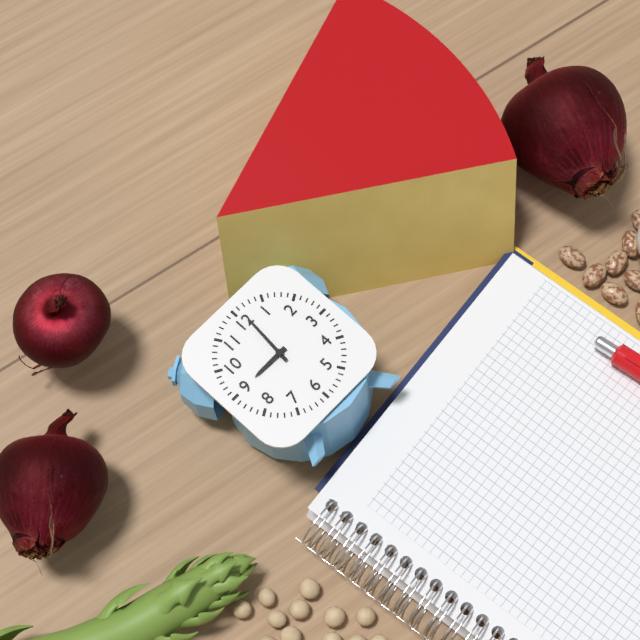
9:01
